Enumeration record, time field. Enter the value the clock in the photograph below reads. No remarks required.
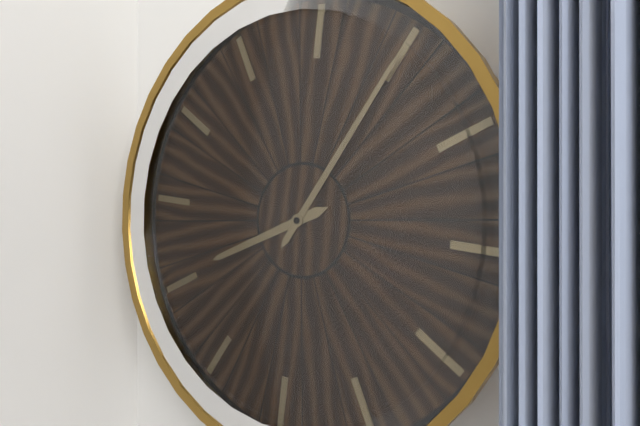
8:05
